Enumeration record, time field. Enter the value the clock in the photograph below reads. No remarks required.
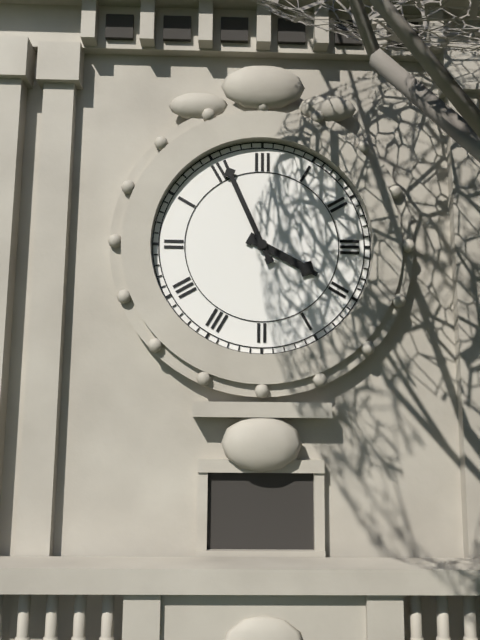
3:56
